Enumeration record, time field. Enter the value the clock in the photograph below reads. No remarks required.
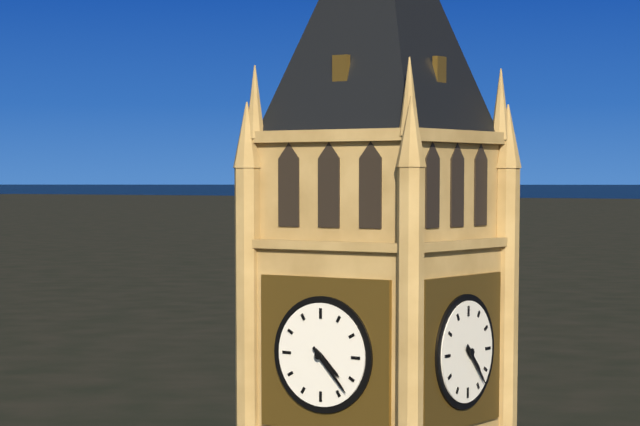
4:23
